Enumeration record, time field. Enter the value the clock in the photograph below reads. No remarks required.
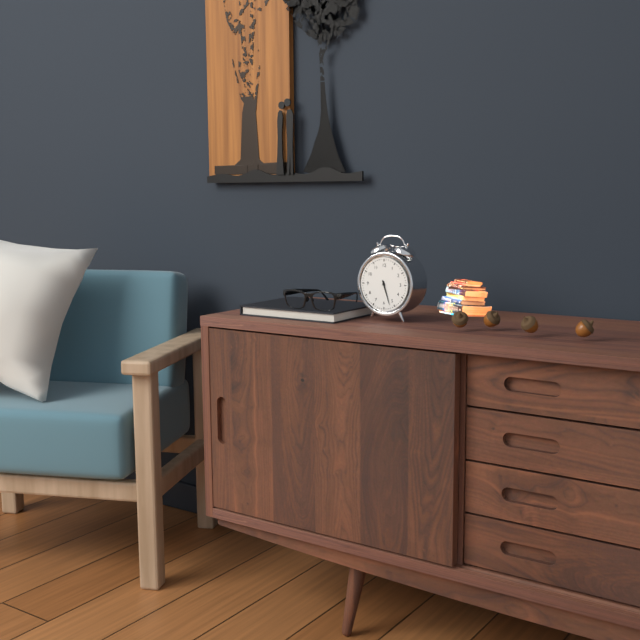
5:27
